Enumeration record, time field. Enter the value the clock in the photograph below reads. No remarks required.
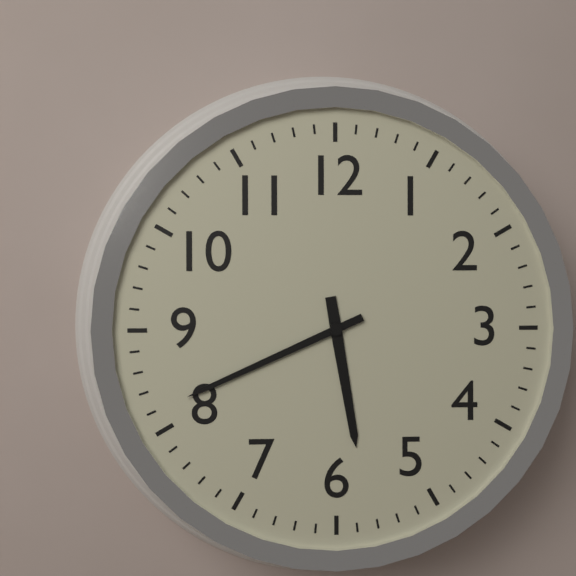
5:41
